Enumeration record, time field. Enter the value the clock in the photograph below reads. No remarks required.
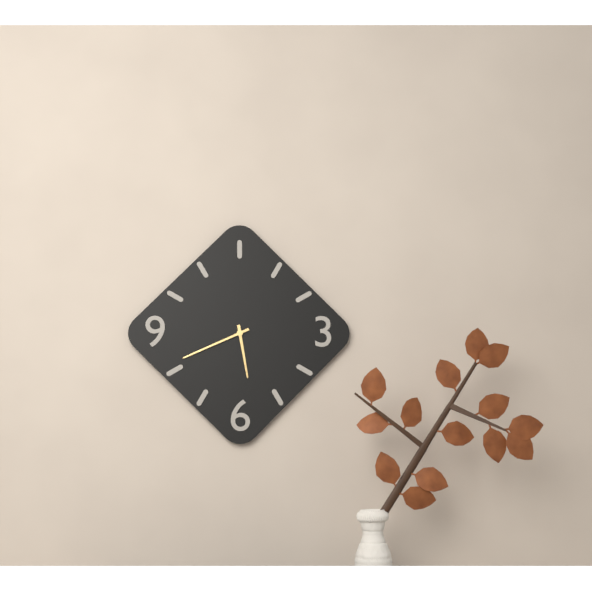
5:41
